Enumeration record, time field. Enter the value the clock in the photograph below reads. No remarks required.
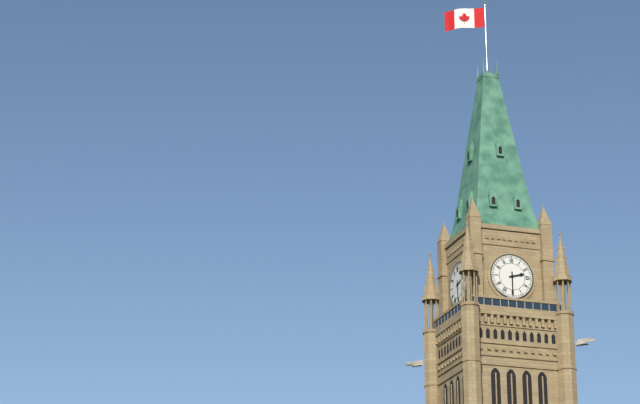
2:30
